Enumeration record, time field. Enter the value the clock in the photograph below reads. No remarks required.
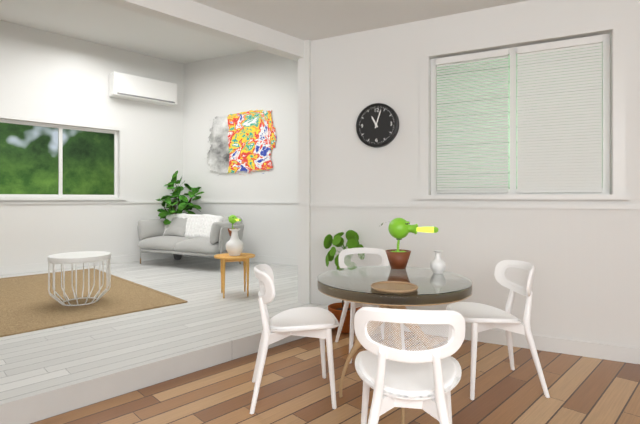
11:03
